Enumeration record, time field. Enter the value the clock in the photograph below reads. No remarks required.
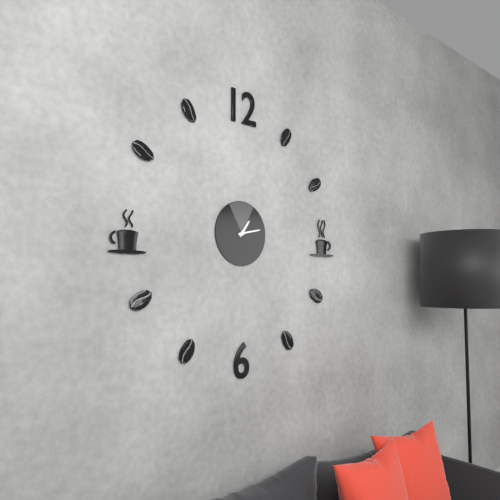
1:13
